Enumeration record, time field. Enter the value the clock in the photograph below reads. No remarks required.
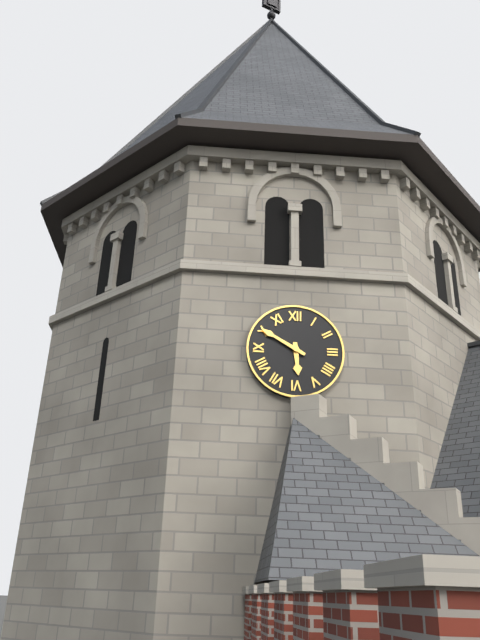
5:50
